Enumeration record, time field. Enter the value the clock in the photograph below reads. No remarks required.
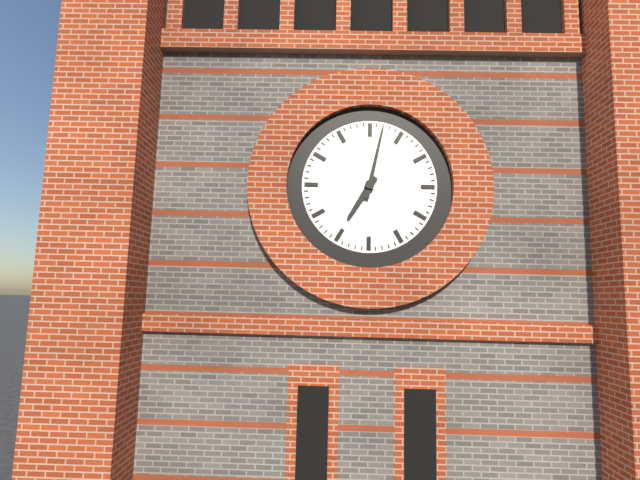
7:02
